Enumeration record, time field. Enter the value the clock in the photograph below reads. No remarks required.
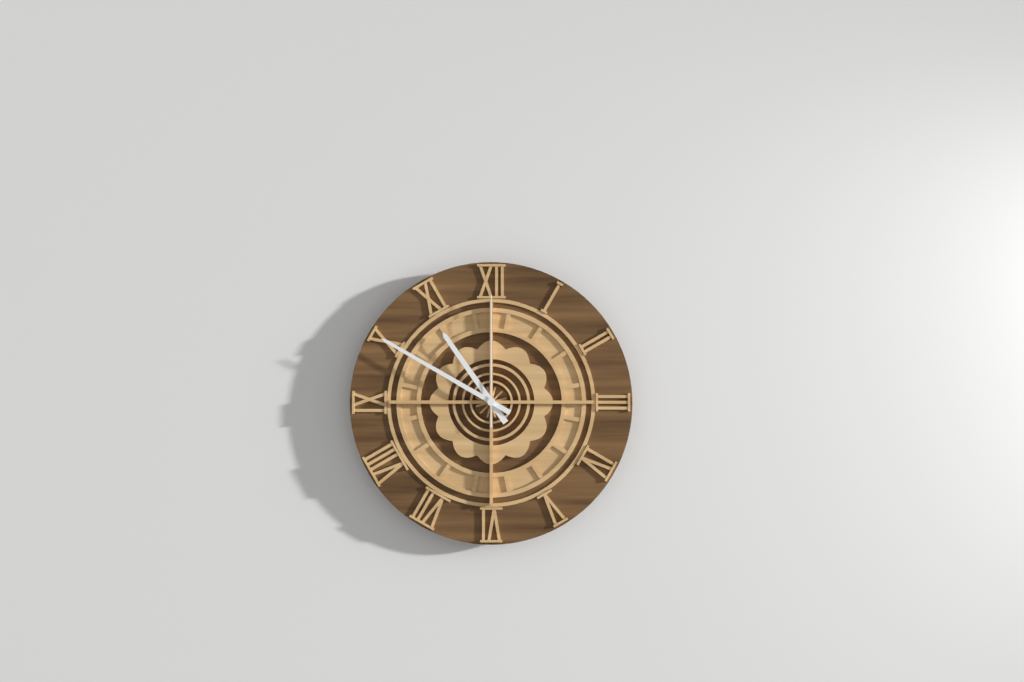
10:50:00
